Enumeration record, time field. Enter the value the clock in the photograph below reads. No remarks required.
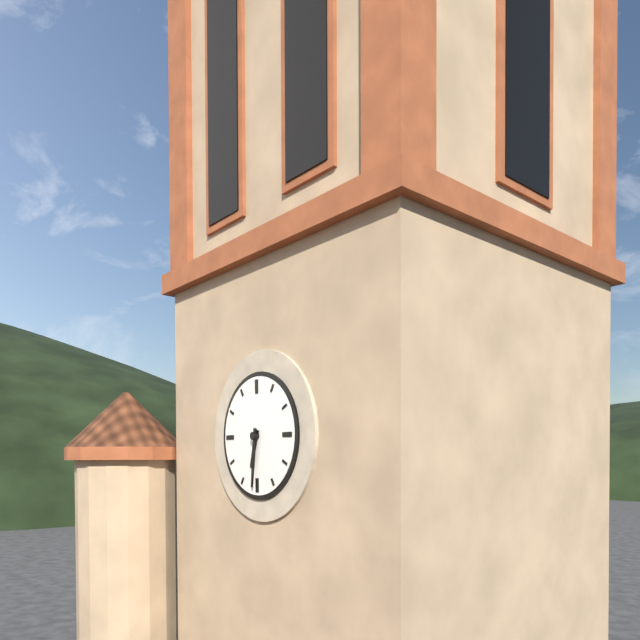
6:31
